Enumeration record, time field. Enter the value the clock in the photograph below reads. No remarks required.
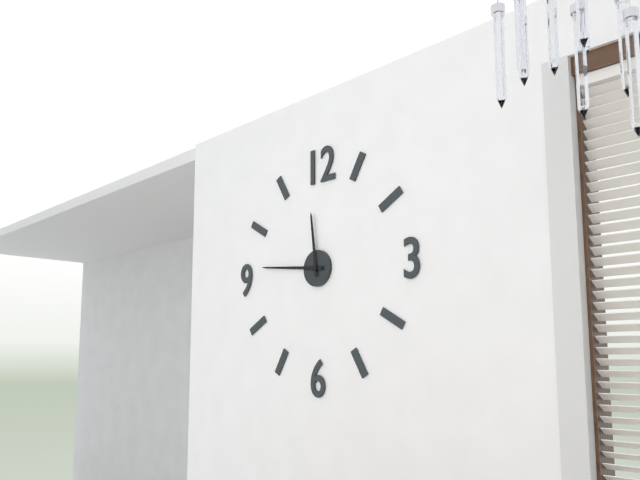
11:46
